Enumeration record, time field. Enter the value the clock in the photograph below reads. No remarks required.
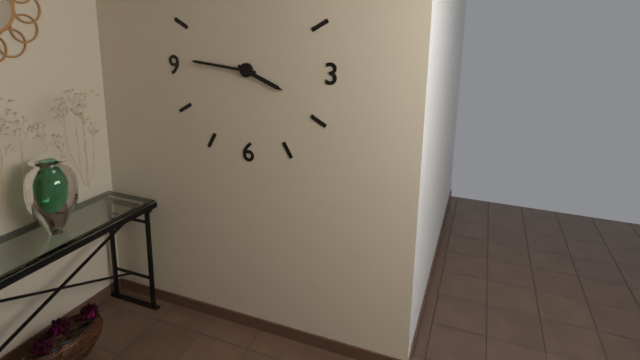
3:46
